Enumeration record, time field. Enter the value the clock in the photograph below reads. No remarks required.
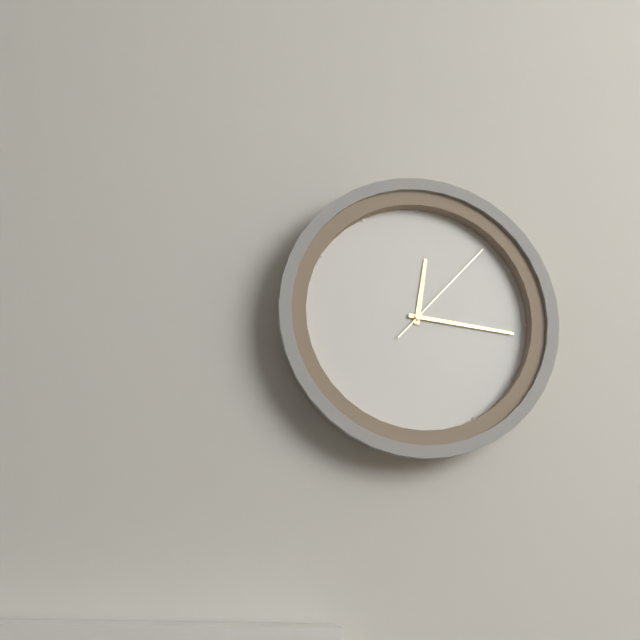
12:16:07
